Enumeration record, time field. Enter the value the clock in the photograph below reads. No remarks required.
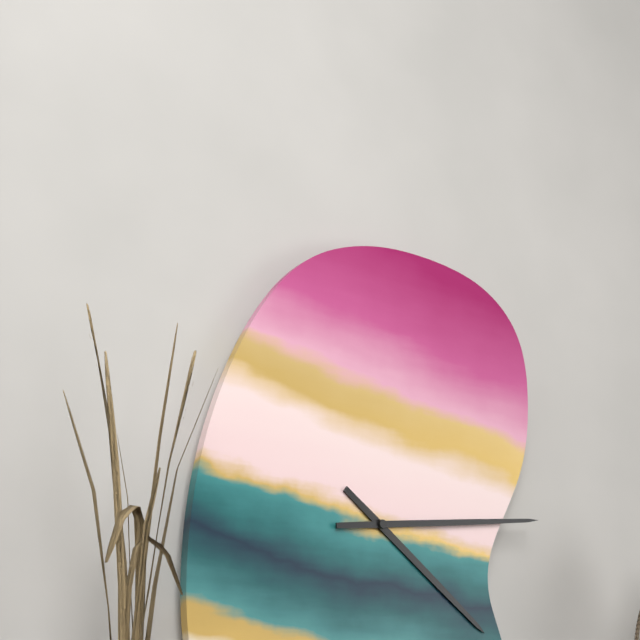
4:14
